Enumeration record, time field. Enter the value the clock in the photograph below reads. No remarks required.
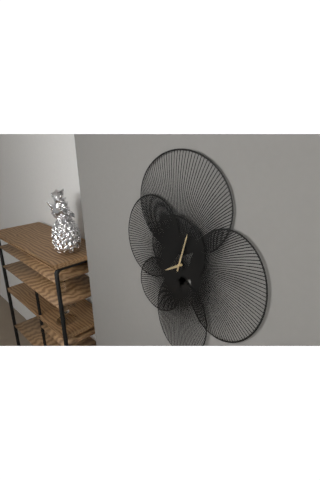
8:03
